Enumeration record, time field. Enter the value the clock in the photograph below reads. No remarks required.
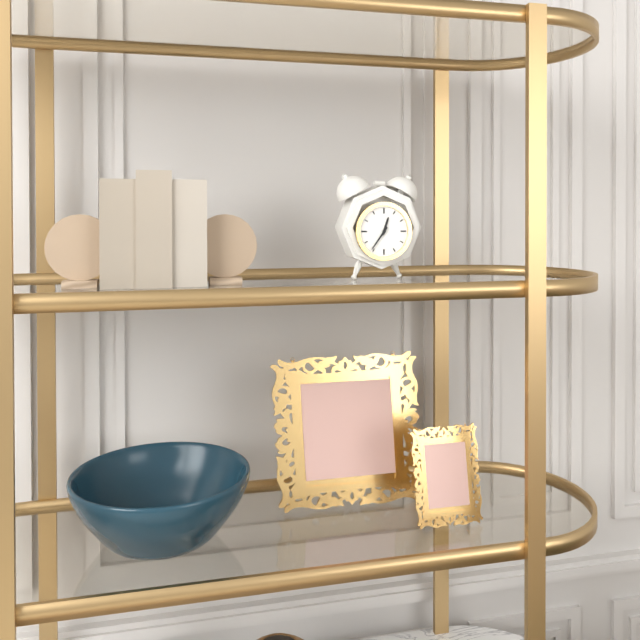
12:36
